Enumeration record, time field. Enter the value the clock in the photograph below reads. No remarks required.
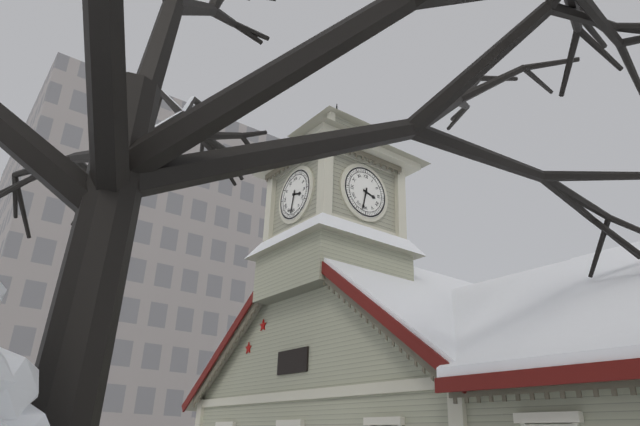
3:32
